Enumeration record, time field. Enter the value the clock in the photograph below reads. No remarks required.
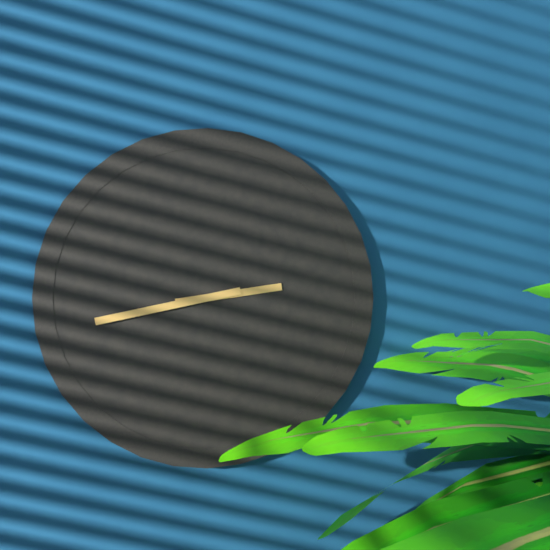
2:43
